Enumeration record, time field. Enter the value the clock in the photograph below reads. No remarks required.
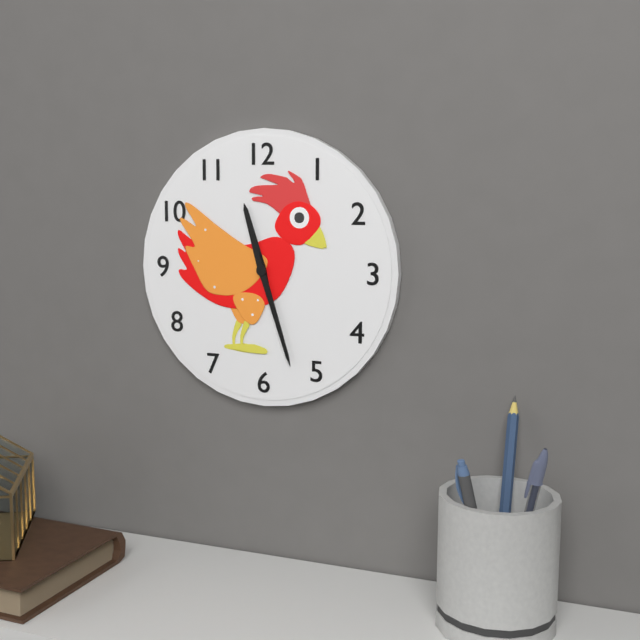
11:27
